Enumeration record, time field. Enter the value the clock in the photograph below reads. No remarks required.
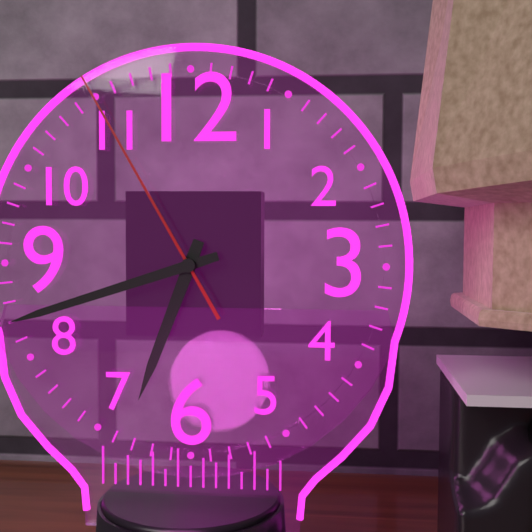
6:42:55
